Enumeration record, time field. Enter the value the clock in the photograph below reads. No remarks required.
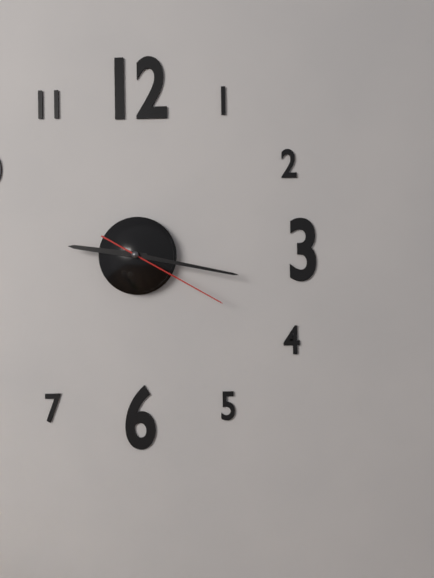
9:17:20
